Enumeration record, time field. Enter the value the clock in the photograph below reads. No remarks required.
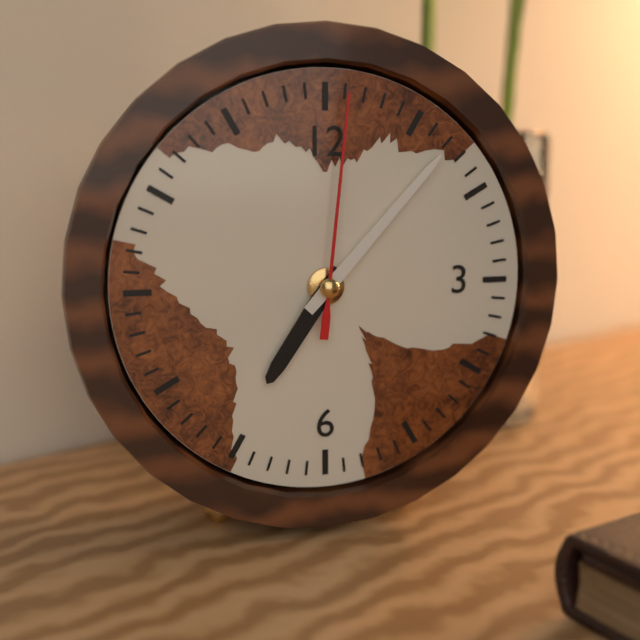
7:07:01
